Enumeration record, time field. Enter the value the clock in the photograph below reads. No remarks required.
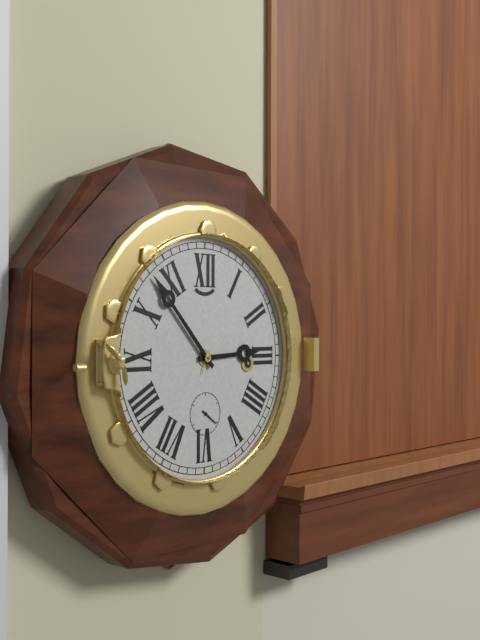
2:53:21
